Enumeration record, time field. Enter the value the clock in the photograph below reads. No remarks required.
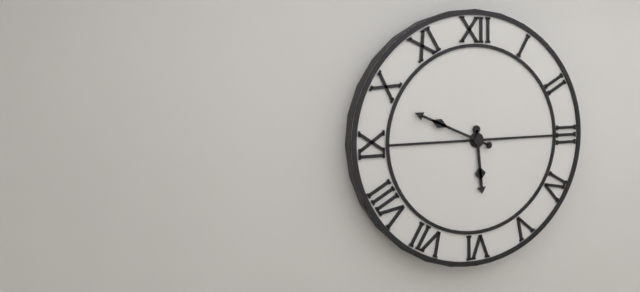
5:49
